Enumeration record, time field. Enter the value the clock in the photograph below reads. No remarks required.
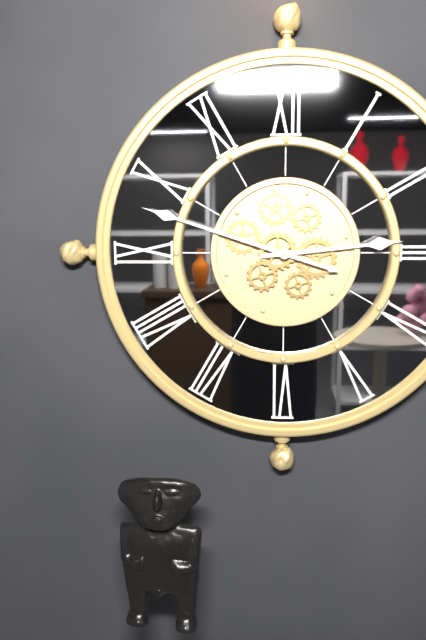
2:48
